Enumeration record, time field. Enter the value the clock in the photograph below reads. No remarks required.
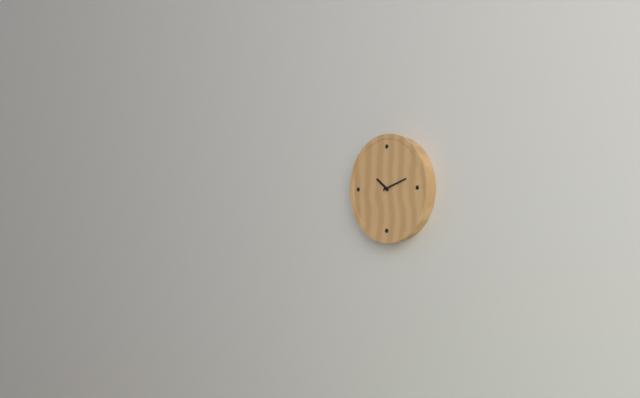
10:12
